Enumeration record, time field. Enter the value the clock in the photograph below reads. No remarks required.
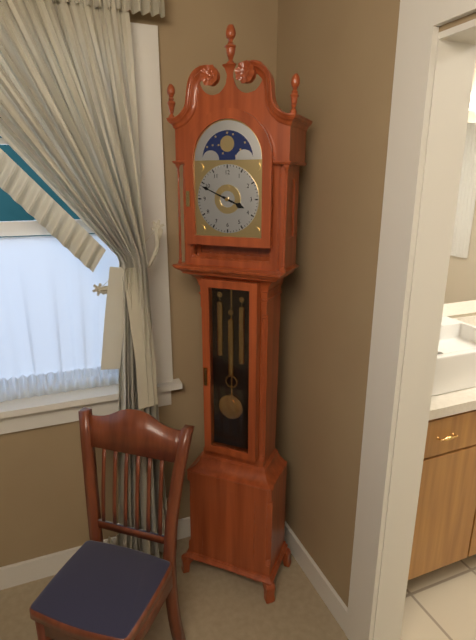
3:49
